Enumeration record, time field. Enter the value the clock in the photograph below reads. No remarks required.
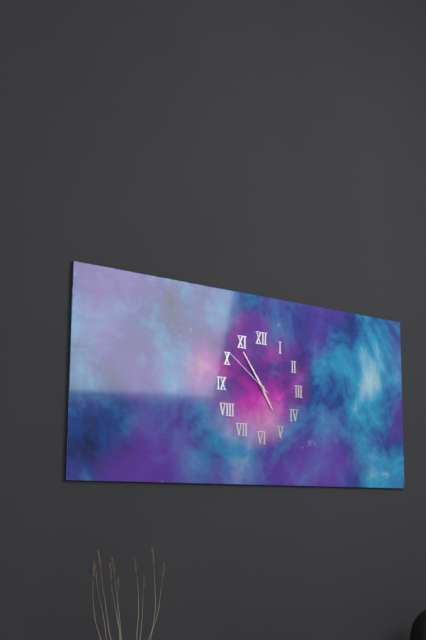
4:54:51
